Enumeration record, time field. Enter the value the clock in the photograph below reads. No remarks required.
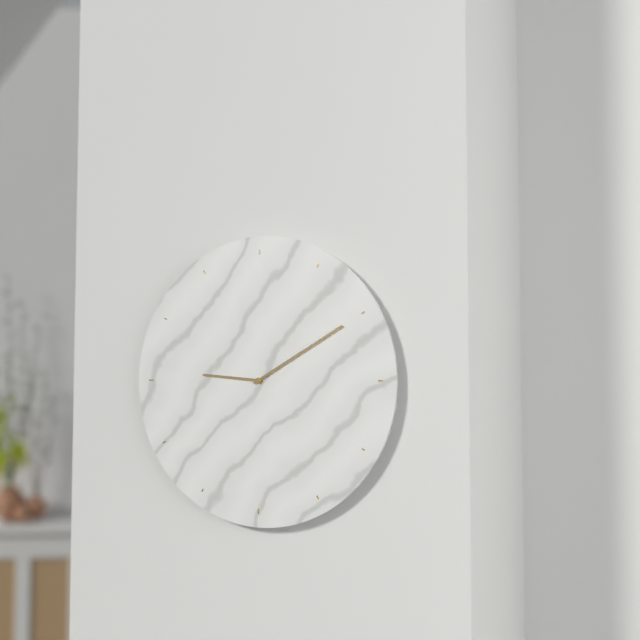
9:10
